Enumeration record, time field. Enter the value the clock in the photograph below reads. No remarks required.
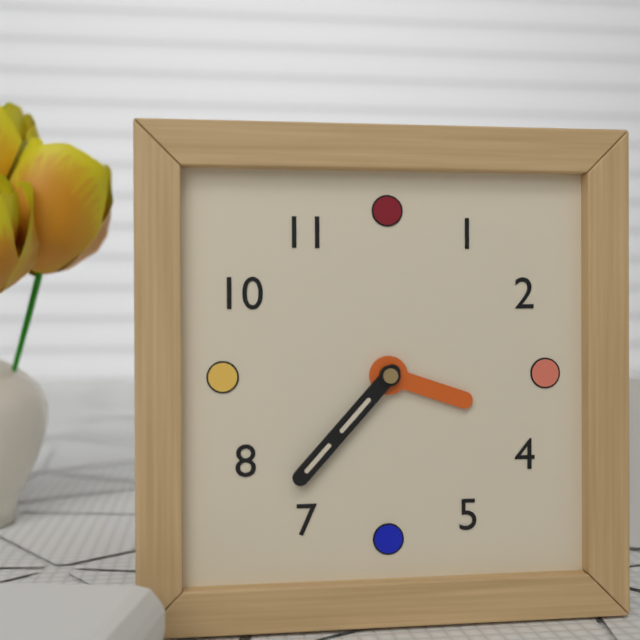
3:37
